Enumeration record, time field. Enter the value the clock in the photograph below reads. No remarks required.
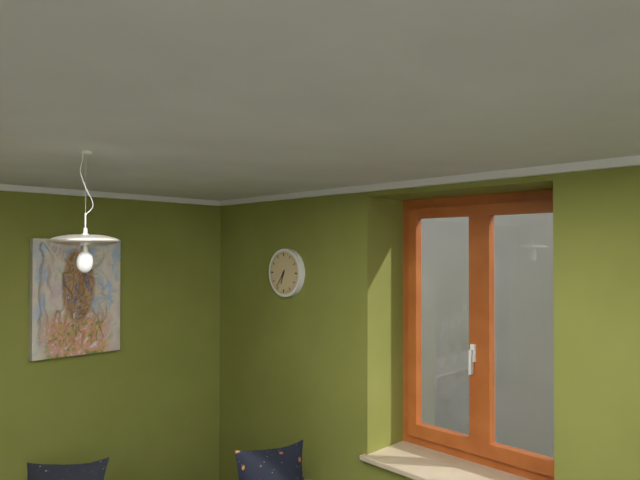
6:36
